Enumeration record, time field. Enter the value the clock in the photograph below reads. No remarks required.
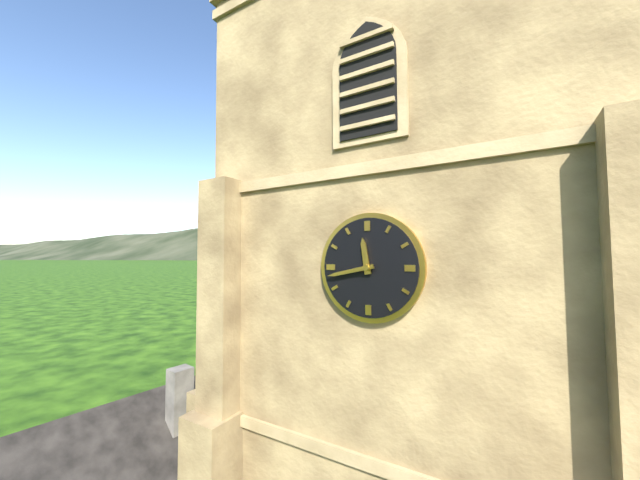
11:43
